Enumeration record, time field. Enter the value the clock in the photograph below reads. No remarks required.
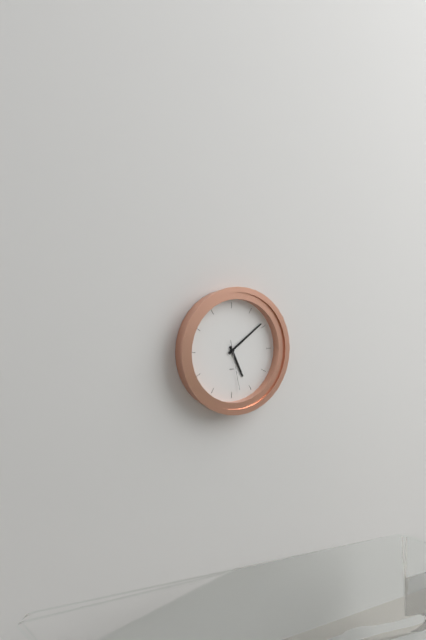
5:09:28
